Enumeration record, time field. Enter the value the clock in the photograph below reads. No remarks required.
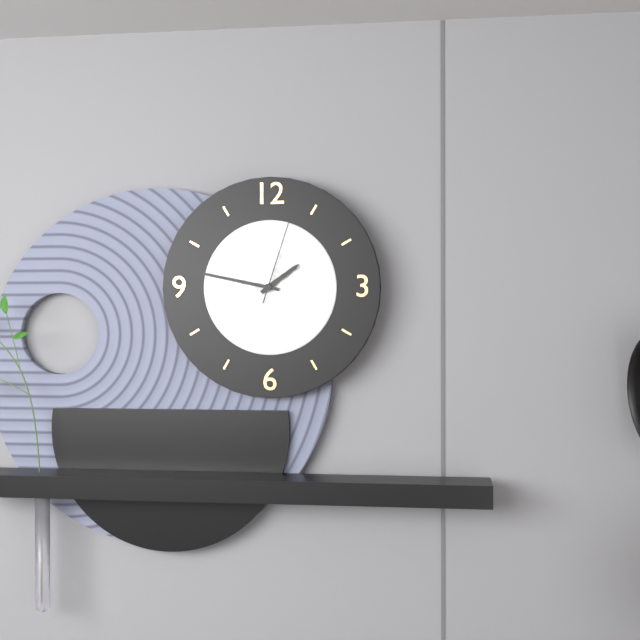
1:47:03
